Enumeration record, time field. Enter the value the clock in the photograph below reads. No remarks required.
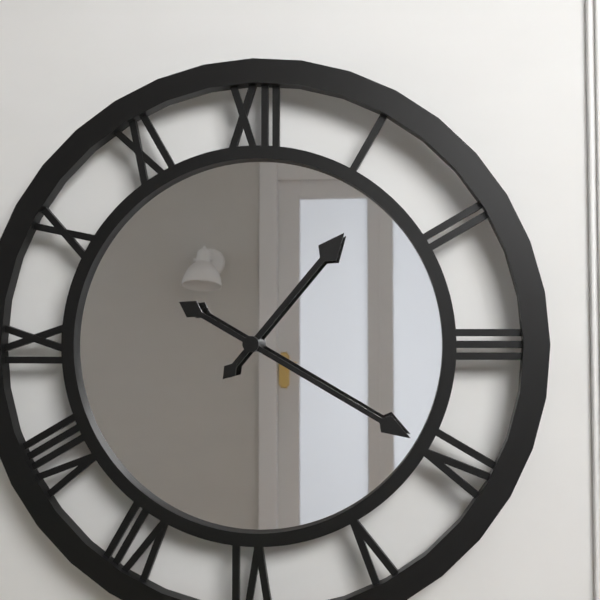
1:20
